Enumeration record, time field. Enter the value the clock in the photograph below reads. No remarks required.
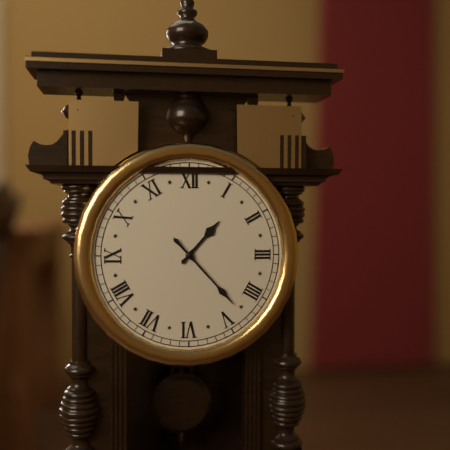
1:23
